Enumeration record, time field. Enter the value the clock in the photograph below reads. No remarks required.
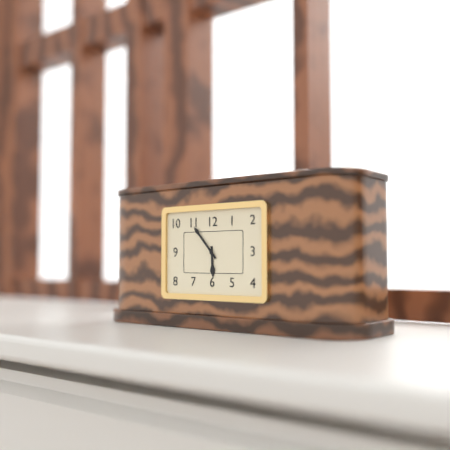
5:53
